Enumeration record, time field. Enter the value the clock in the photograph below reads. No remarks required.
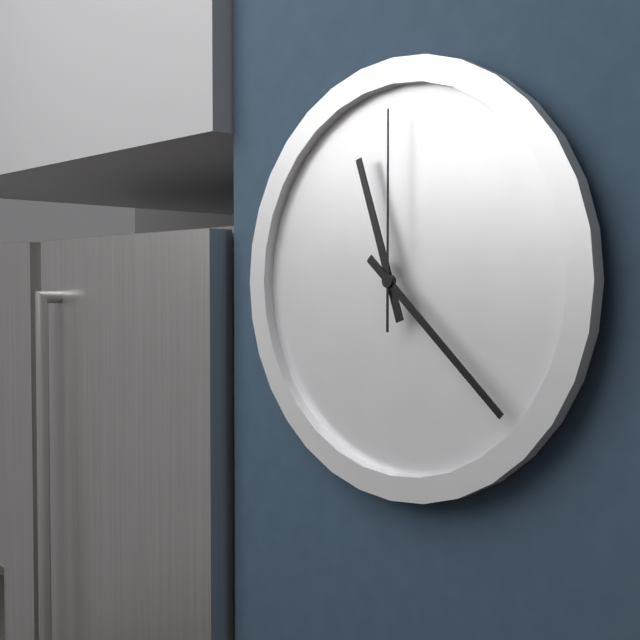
11:22:00
